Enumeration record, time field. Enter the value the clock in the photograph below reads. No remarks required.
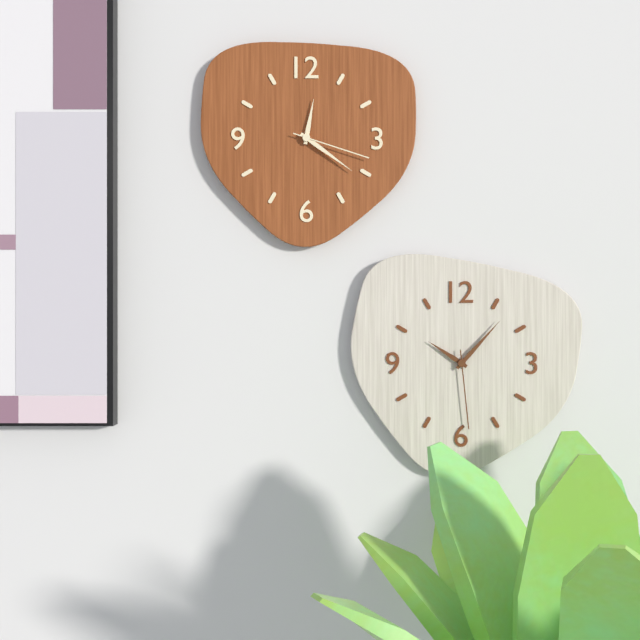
12:21:18
